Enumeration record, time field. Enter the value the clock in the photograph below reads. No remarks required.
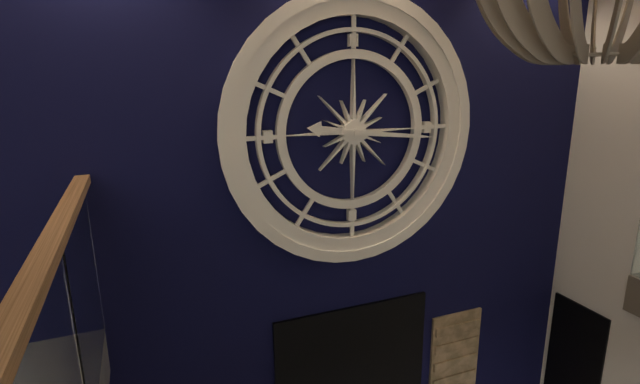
9:16
